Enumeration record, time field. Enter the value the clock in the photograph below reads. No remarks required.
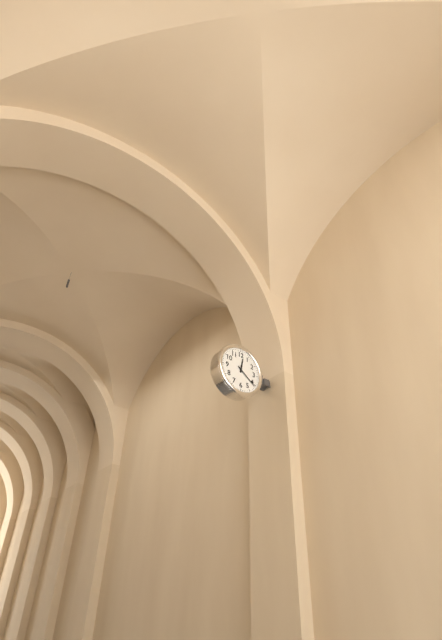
12:21
